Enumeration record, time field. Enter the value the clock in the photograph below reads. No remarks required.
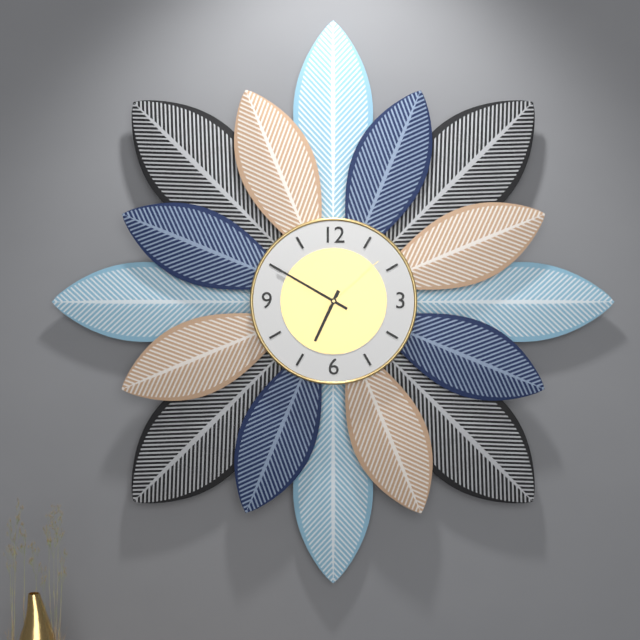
6:50:08
